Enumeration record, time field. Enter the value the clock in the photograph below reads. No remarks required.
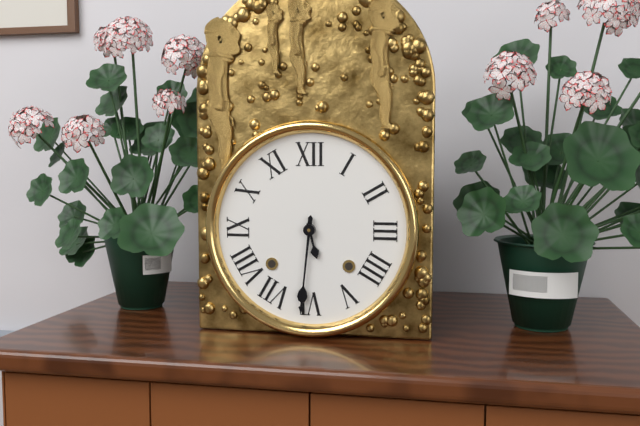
5:31
